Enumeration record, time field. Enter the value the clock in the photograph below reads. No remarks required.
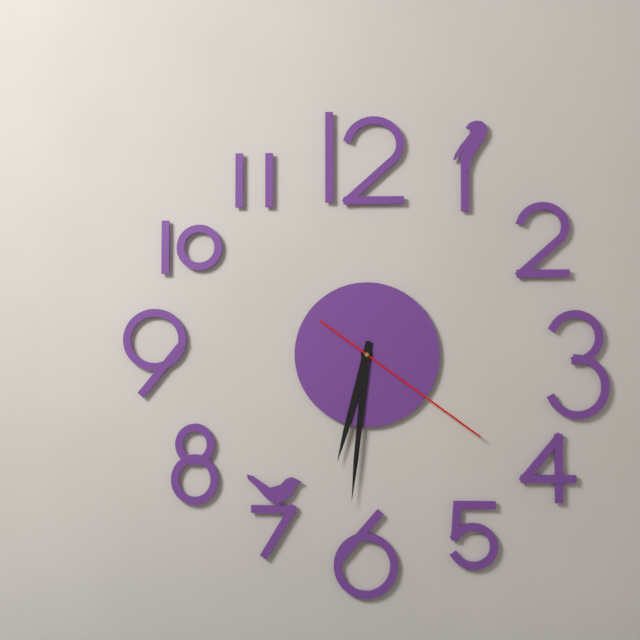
6:31:21
